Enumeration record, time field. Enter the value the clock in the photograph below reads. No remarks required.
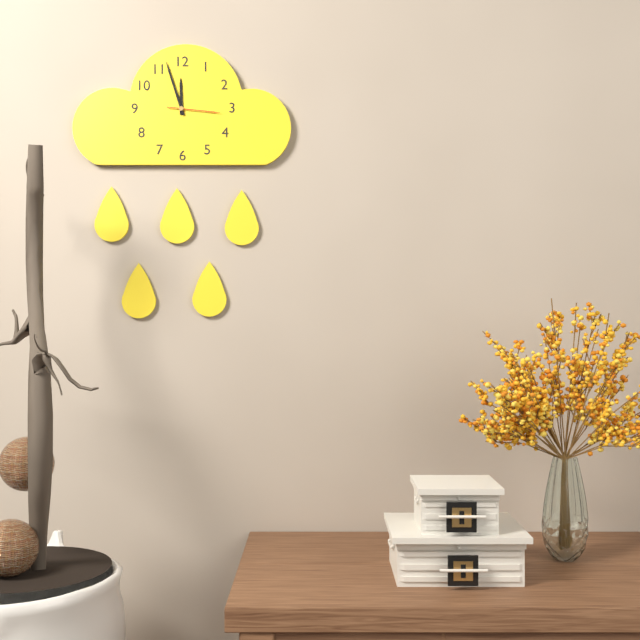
11:57:16
